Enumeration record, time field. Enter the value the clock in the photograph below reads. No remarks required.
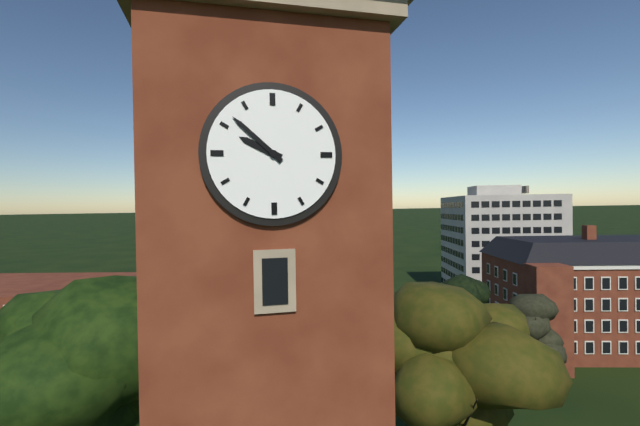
9:52
